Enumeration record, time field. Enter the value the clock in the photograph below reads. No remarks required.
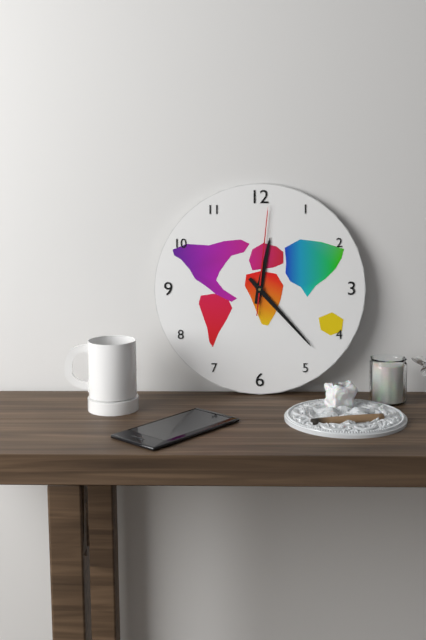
12:23:01
